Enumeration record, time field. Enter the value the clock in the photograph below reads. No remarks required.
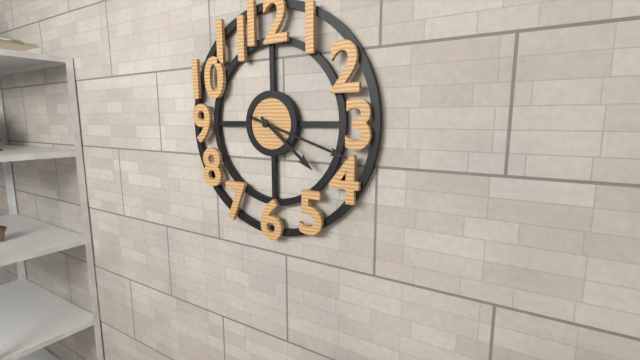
4:18
